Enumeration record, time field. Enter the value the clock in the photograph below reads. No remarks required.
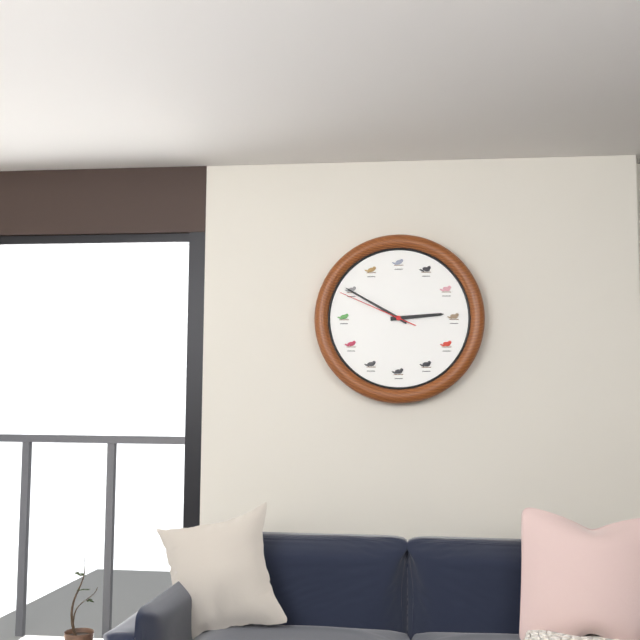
2:50:49
